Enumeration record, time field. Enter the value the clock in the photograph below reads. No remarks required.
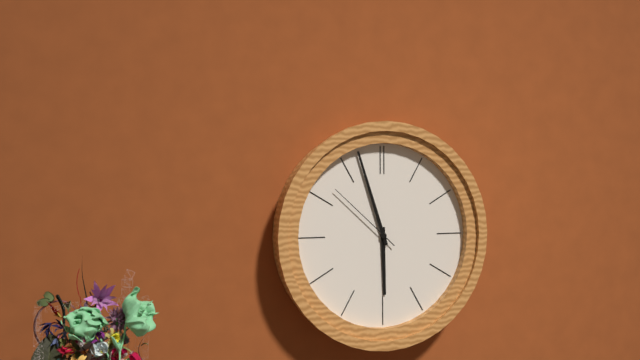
5:57:52
